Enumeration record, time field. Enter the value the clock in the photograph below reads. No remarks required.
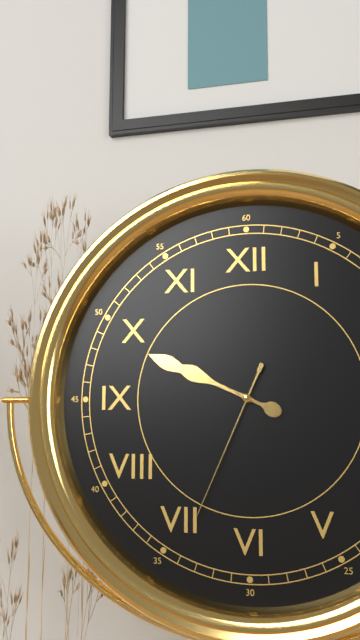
9:49:34
